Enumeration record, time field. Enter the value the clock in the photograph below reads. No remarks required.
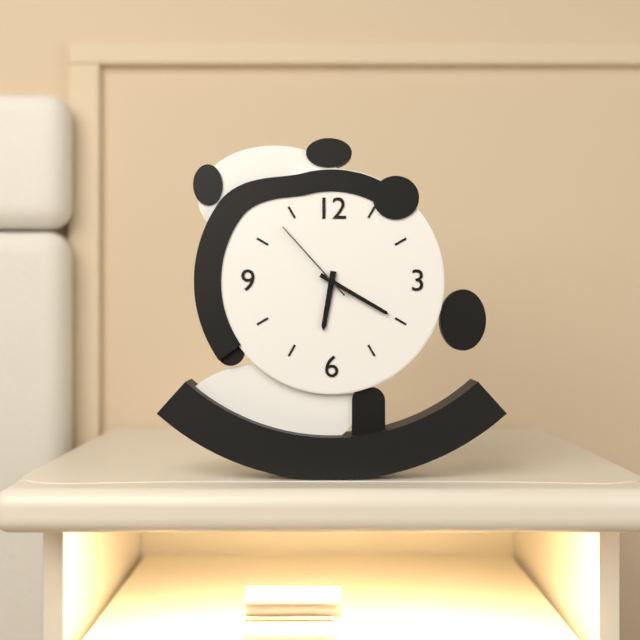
6:20:53
